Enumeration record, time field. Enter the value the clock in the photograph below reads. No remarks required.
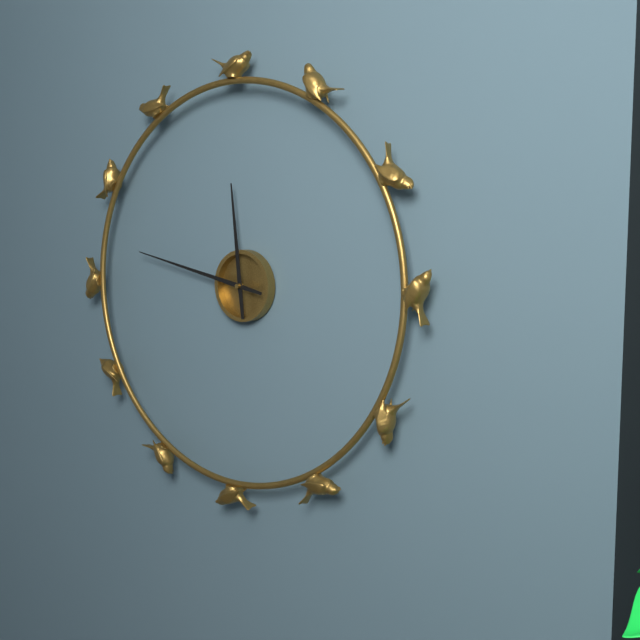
11:47
